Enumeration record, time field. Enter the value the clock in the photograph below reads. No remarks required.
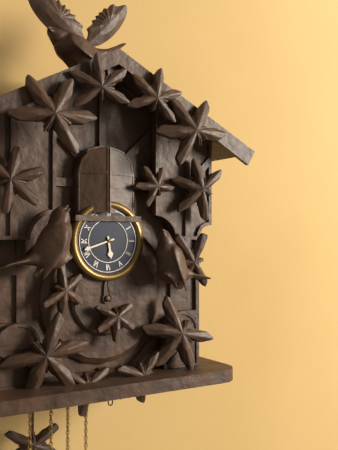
5:42
